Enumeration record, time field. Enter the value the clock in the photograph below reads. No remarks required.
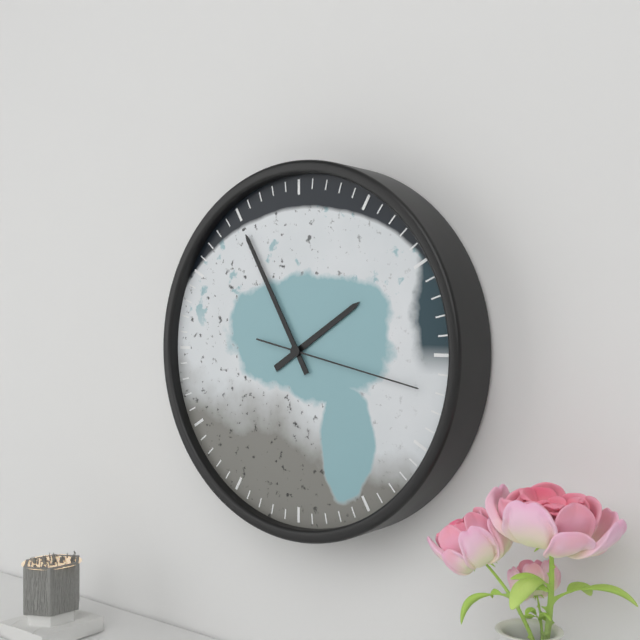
1:55:17
